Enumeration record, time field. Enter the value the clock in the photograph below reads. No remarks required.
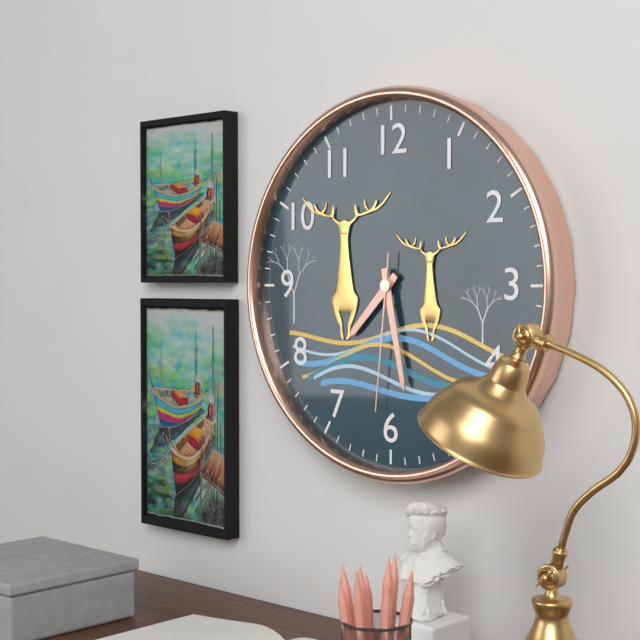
7:28:31
